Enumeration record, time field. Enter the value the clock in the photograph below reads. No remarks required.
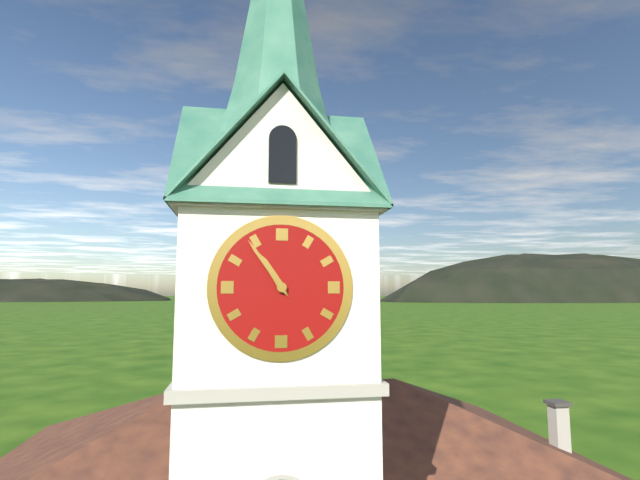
10:54
